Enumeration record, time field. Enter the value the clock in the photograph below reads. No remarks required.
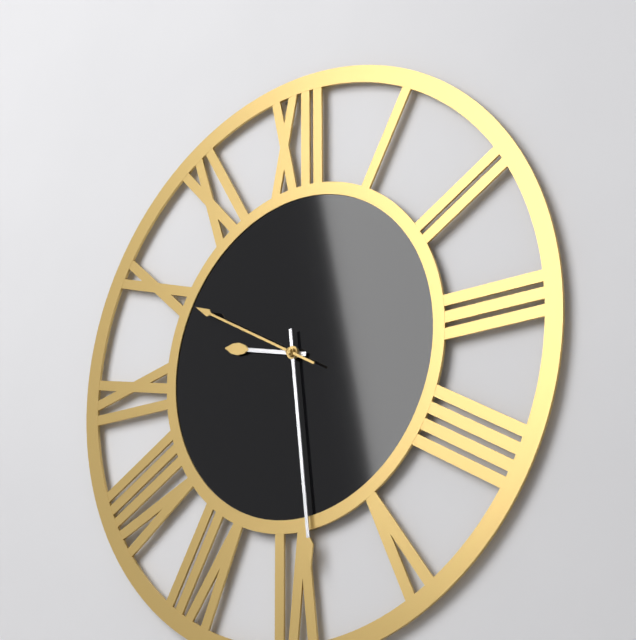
9:29:50
